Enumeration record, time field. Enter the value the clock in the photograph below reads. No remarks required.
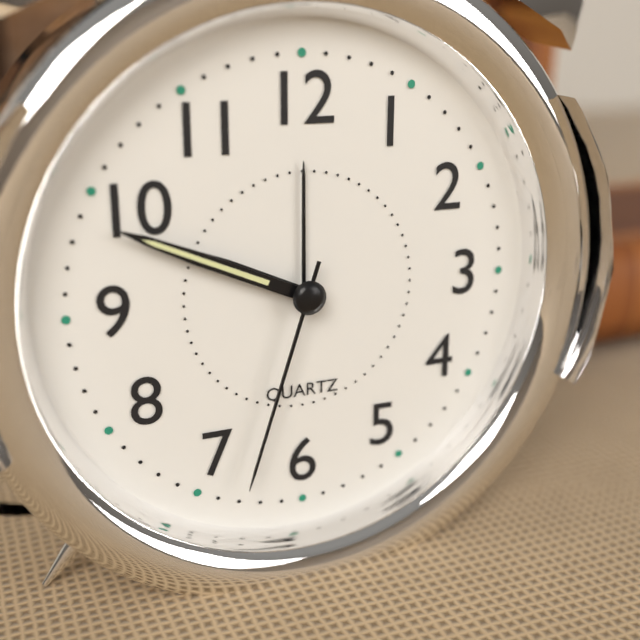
9:49:33
